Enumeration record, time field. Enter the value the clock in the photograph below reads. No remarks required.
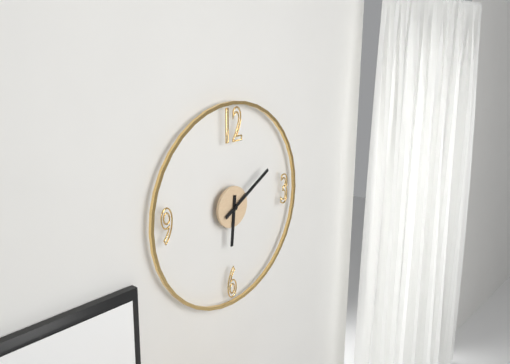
6:10
